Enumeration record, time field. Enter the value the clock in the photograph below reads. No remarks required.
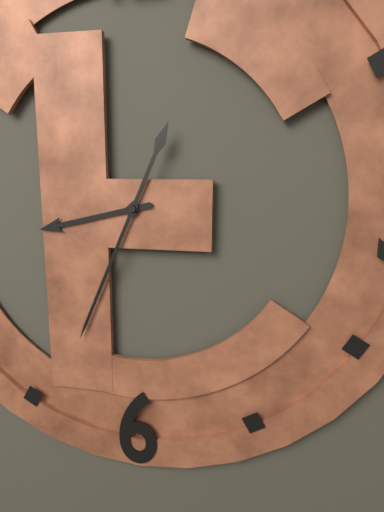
8:34
